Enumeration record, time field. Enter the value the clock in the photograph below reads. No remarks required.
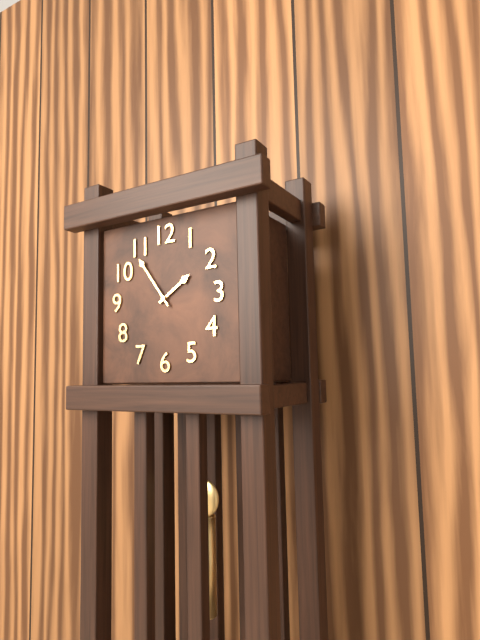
1:54
